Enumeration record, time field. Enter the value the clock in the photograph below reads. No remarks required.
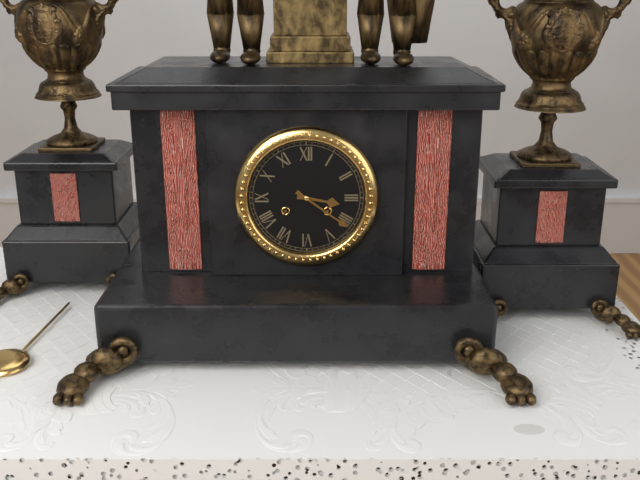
3:21
